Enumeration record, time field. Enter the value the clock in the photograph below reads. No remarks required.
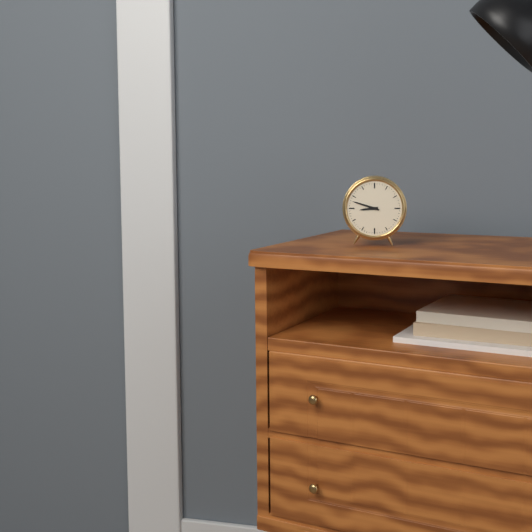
8:48
